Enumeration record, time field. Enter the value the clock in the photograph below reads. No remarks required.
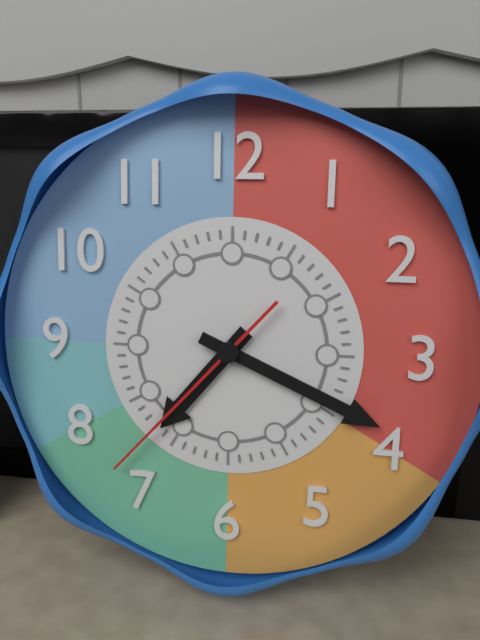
7:19:37
